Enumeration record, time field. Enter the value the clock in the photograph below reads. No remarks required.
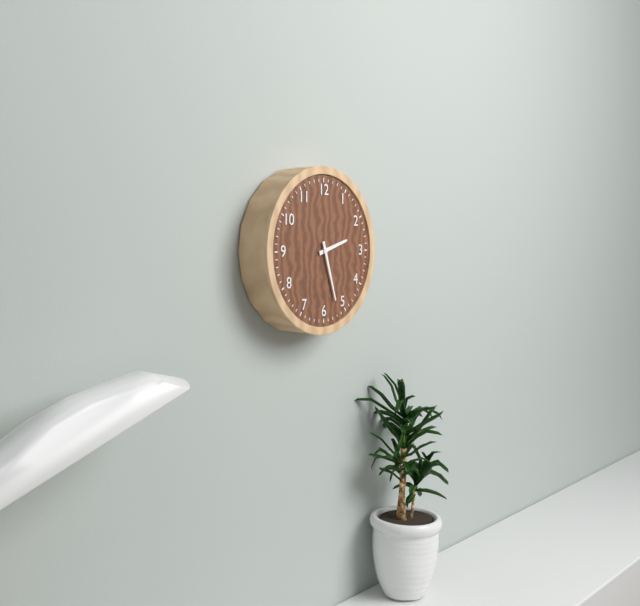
2:27
